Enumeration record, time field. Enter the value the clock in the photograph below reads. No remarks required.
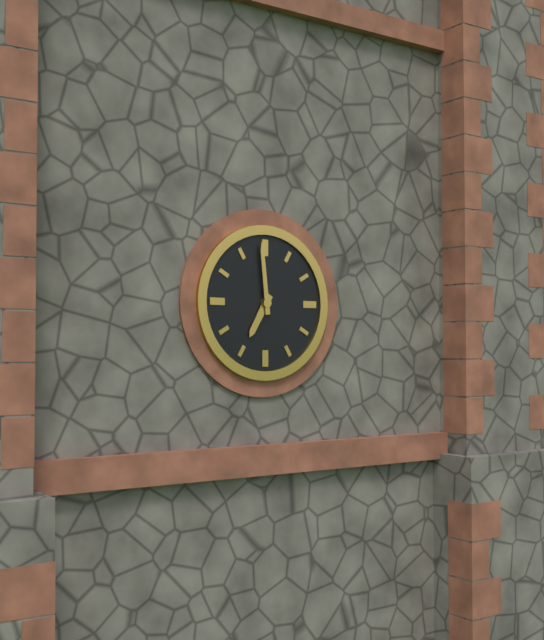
6:59
